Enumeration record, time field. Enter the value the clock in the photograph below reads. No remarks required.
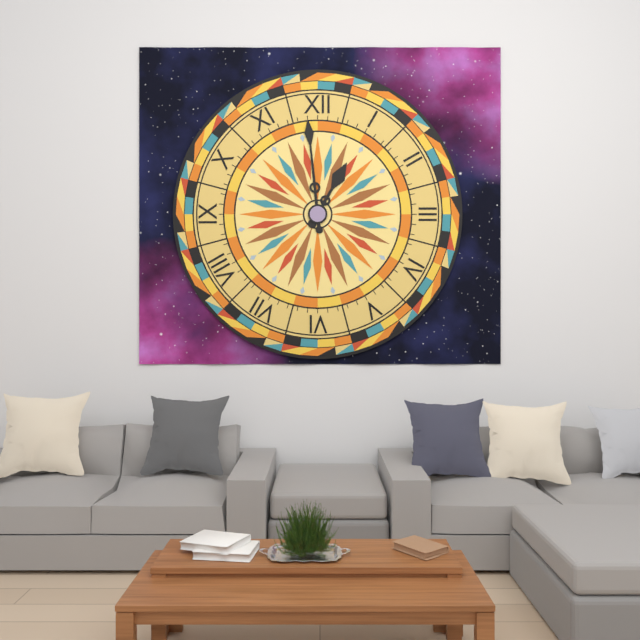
12:59
